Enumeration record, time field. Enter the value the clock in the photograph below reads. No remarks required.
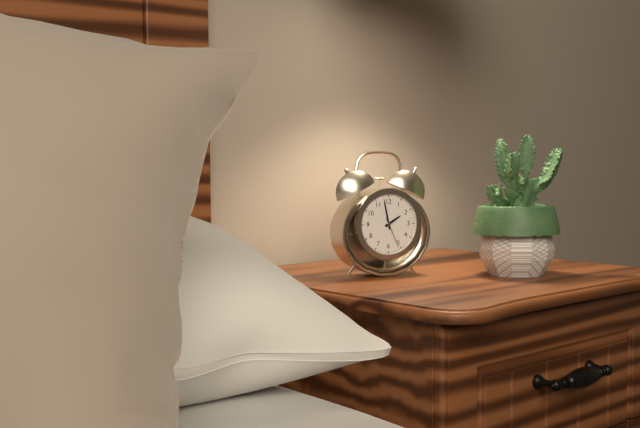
1:58
